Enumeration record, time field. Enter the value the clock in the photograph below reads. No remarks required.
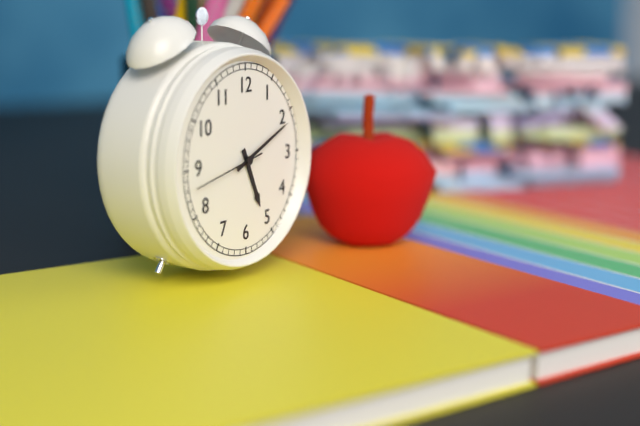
5:11:43
